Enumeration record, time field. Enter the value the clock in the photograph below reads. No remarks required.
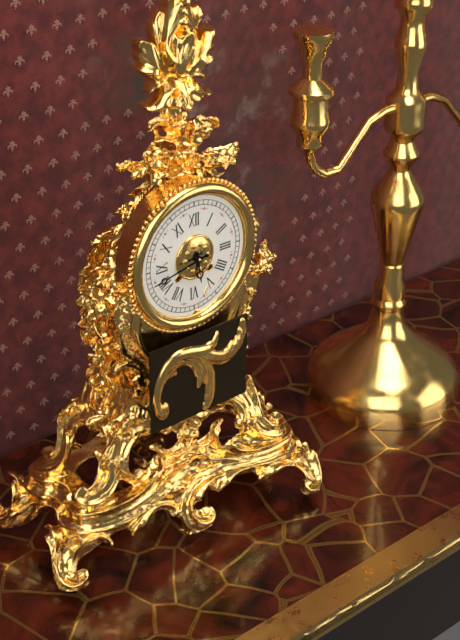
5:43
